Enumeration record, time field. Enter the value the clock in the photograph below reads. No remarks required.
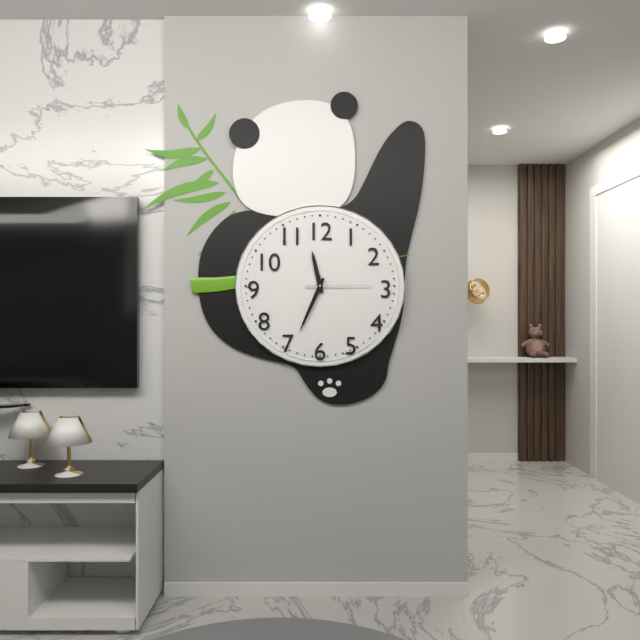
11:34:15
